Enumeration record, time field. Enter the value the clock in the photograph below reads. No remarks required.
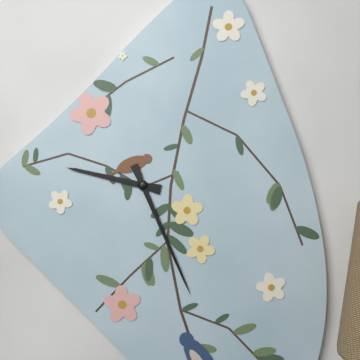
9:26
